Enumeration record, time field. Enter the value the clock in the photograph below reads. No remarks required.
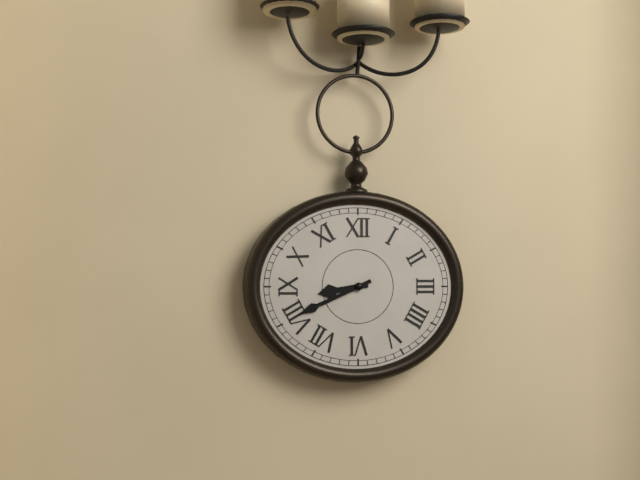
8:41
